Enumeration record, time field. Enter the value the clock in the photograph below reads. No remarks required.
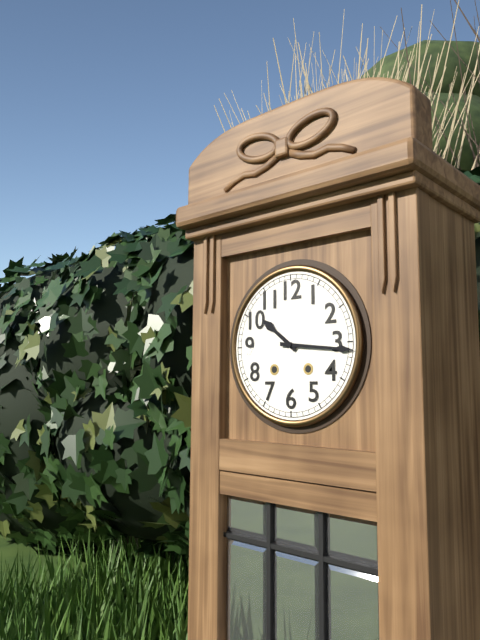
10:16
